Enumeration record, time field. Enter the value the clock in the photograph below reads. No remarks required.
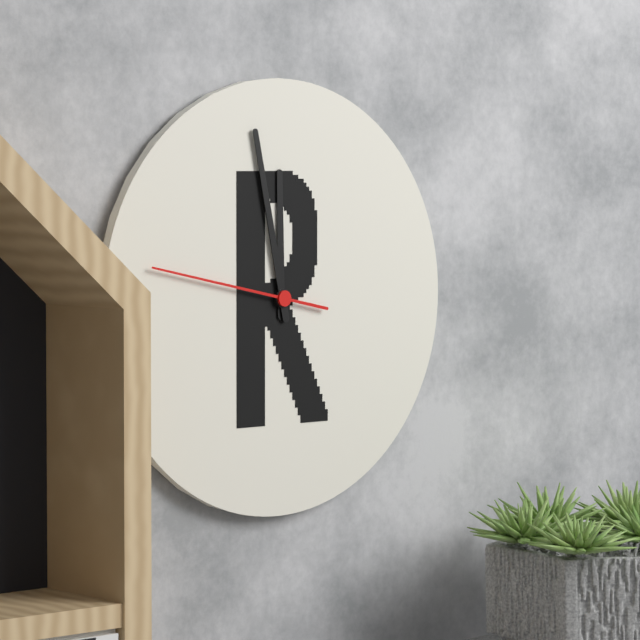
11:58:47
